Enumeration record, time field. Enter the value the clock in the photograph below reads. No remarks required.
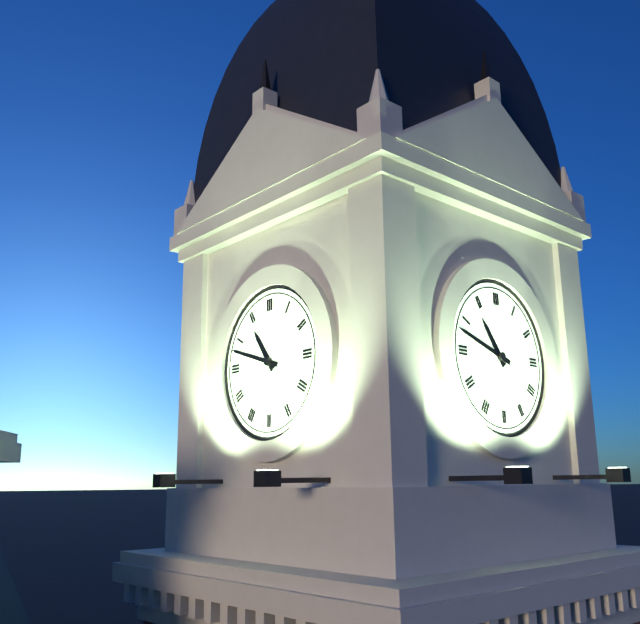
10:48
